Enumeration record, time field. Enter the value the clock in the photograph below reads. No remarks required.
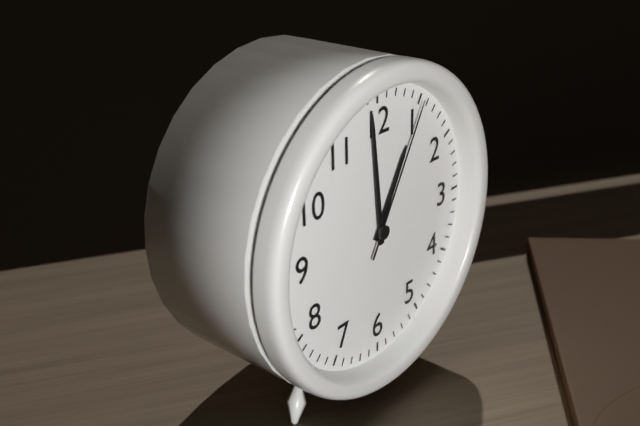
12:59:05
